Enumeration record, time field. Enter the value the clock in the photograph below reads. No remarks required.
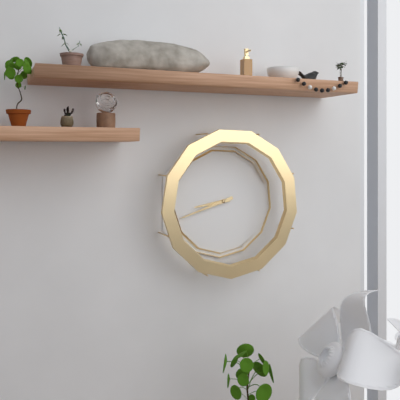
8:42
